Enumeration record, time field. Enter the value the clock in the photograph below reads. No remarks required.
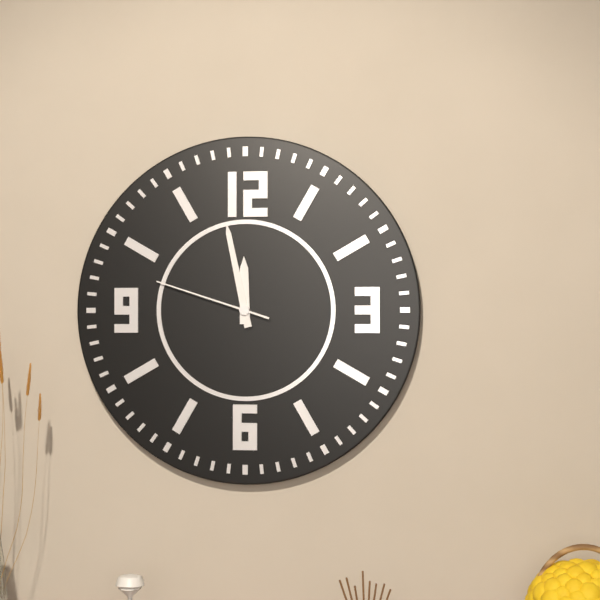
11:58:48
